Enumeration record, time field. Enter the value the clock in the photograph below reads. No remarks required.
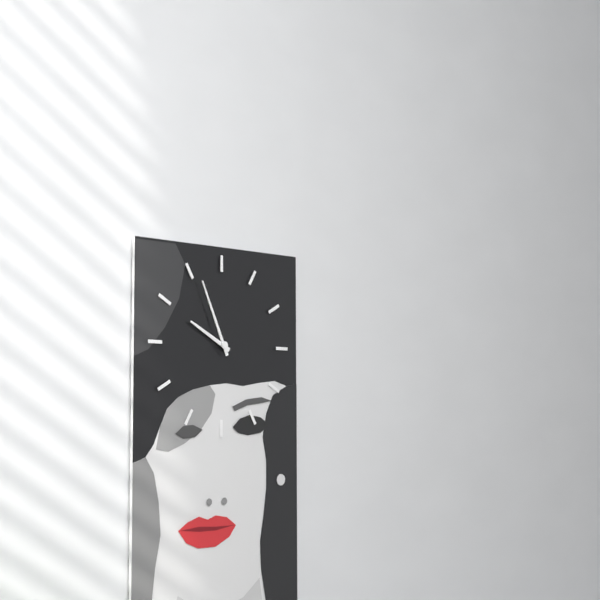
9:56
